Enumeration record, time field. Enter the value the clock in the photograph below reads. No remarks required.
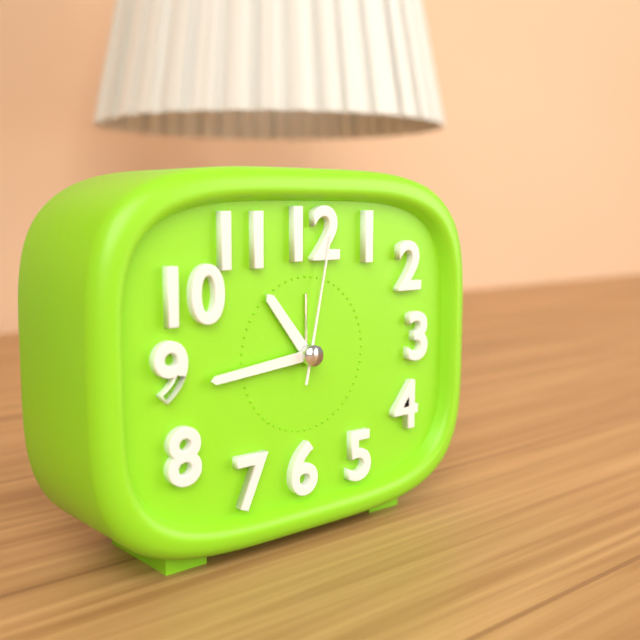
10:44:02
